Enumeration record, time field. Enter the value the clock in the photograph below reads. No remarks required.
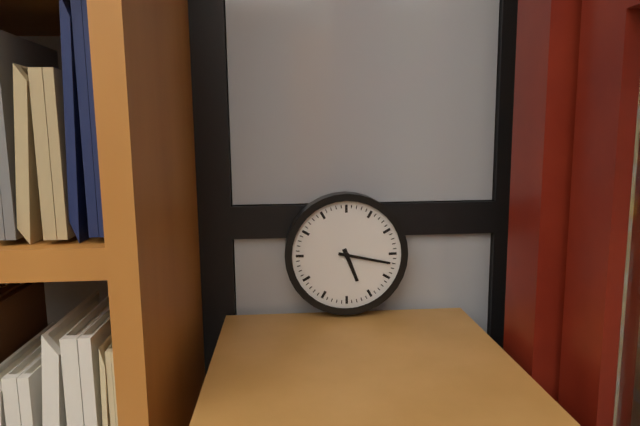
5:17
